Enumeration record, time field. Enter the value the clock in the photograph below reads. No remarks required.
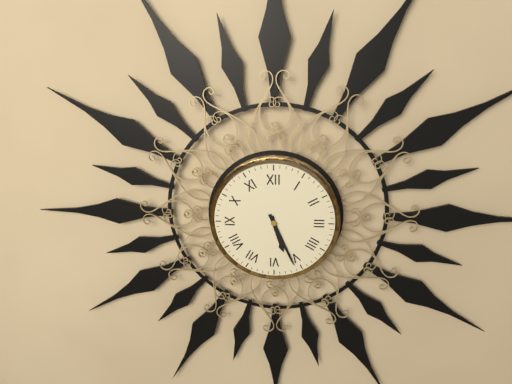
5:26
